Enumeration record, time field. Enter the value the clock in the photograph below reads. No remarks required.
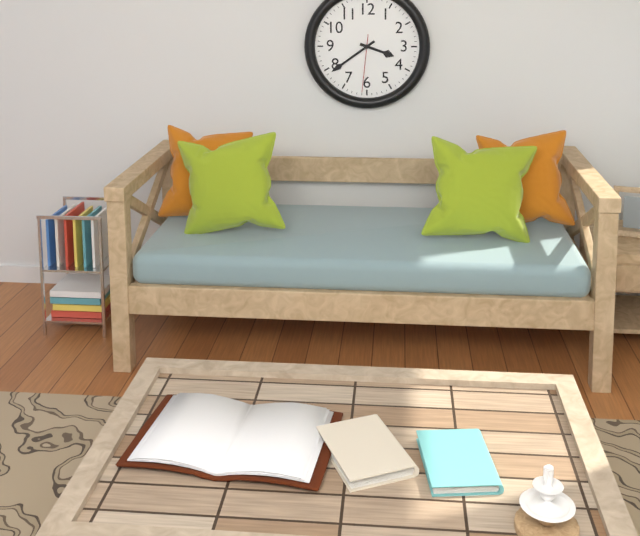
3:39:31
